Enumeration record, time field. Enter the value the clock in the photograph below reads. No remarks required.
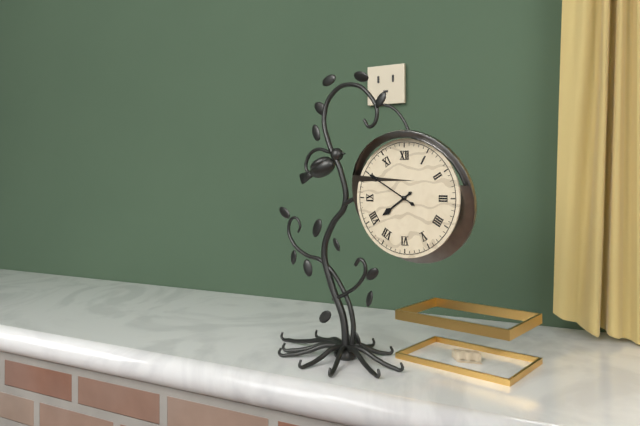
7:50
